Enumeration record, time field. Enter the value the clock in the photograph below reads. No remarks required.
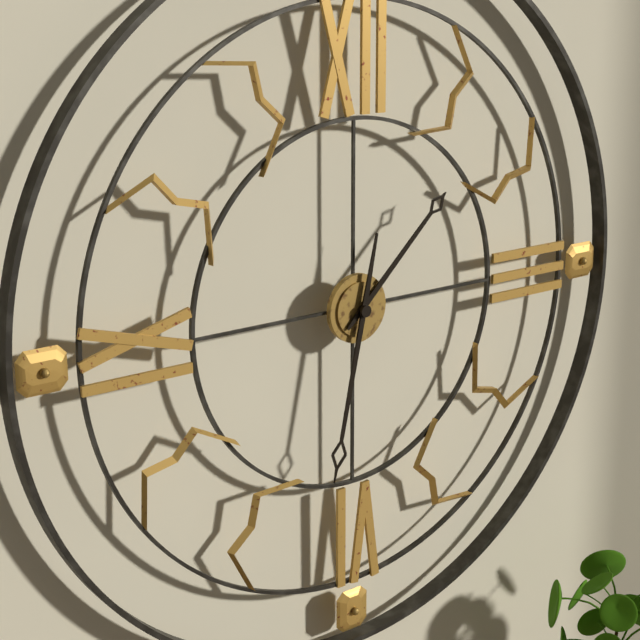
1:32
